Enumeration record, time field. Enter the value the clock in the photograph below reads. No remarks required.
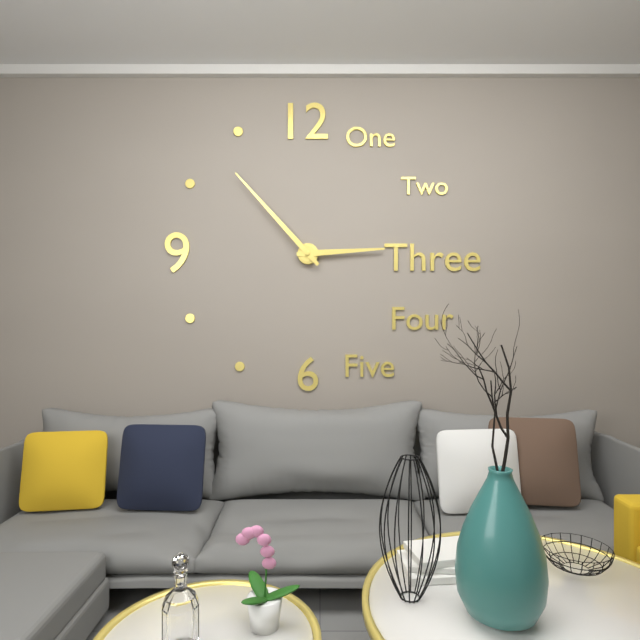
2:53
